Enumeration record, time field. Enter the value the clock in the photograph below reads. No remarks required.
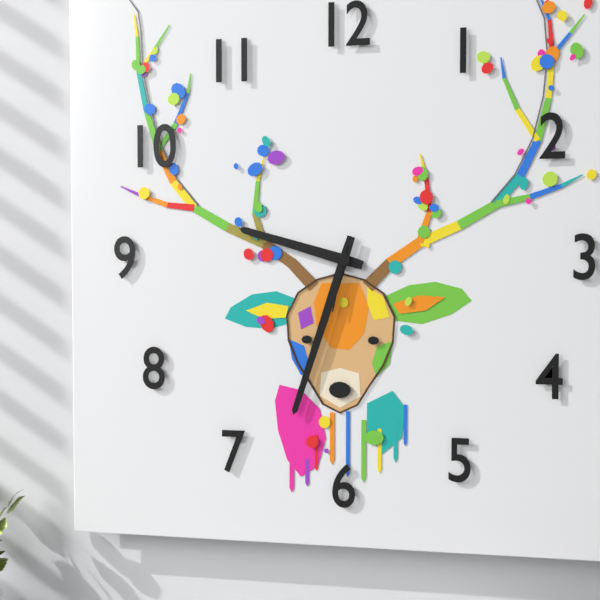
9:33:32
